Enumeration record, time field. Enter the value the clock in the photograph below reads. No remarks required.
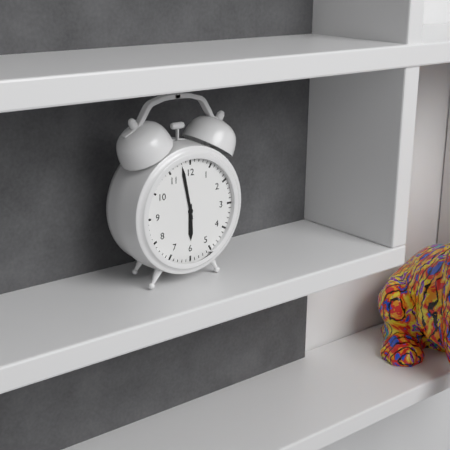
5:58
